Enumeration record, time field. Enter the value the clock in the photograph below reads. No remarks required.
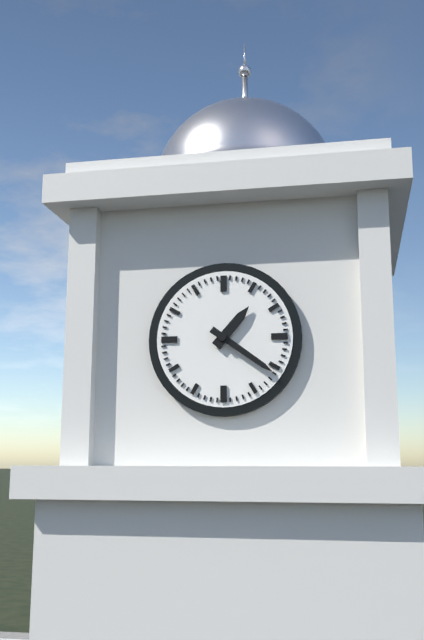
1:21
